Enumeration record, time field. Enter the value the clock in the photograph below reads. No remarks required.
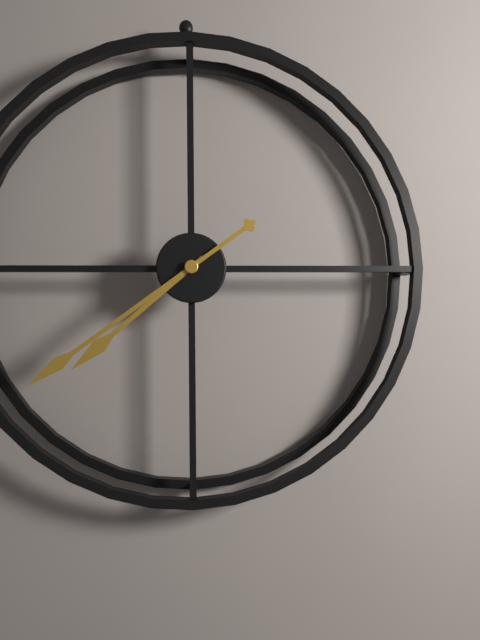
7:39
